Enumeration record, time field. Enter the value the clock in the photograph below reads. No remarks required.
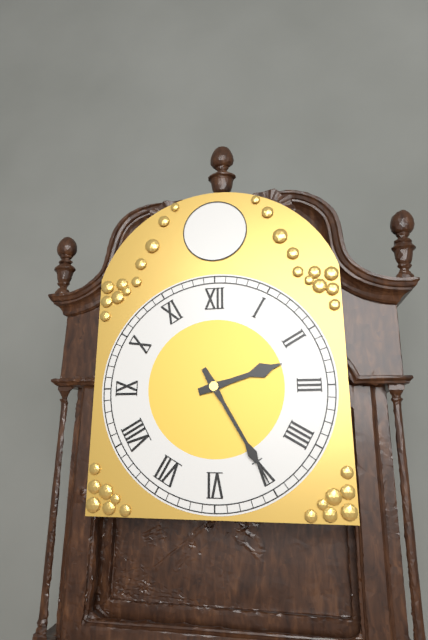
2:25
